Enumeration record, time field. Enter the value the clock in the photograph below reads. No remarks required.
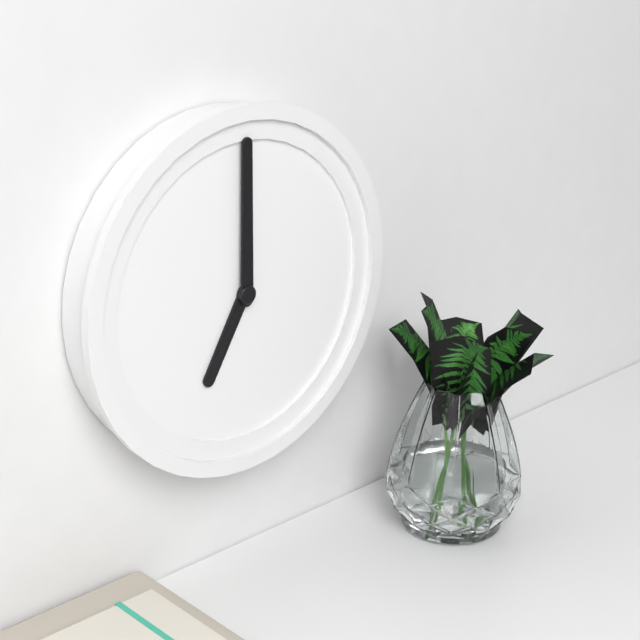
7:00
